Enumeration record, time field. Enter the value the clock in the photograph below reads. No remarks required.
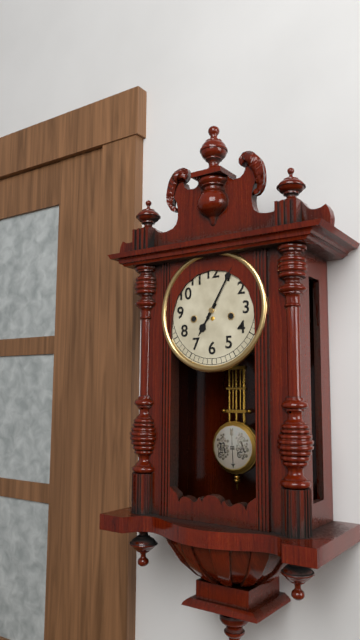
7:05
